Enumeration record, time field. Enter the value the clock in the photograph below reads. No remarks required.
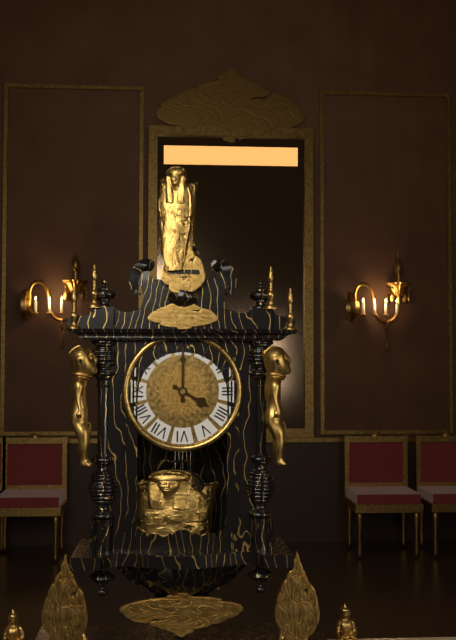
4:00
